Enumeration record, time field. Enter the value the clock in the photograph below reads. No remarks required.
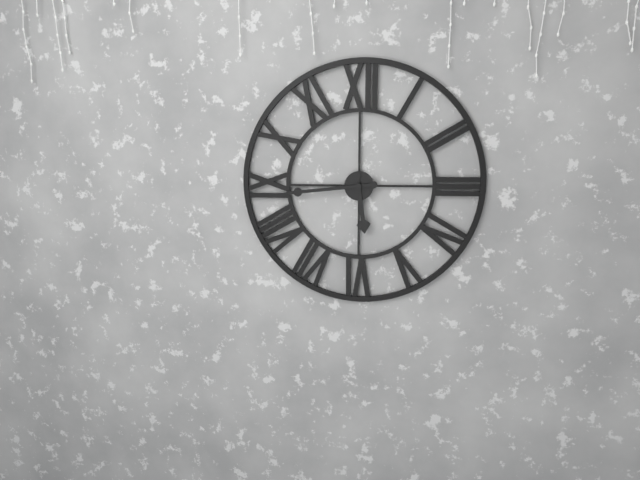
5:44
